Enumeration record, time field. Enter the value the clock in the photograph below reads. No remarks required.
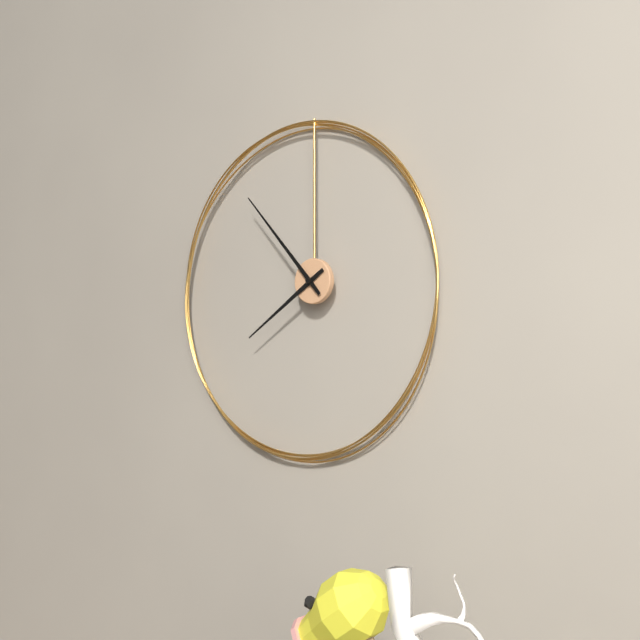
7:53
